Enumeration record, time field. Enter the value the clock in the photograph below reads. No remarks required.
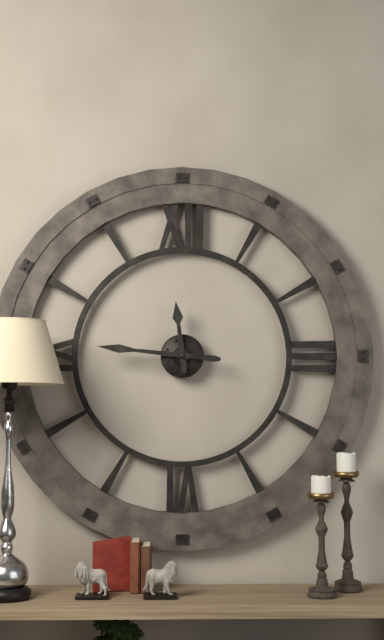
11:46
